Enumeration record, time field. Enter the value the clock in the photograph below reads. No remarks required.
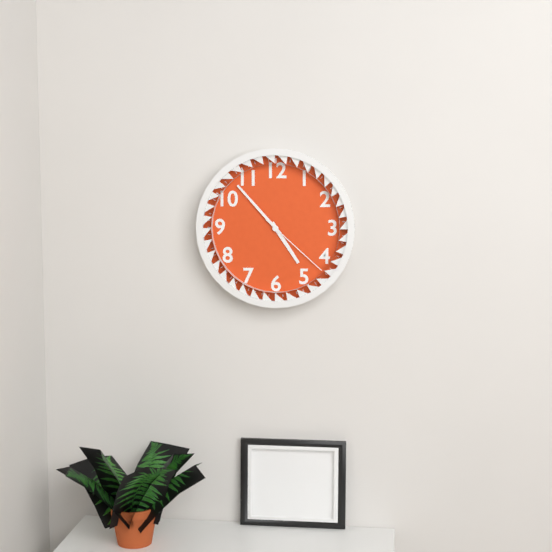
4:53:22
